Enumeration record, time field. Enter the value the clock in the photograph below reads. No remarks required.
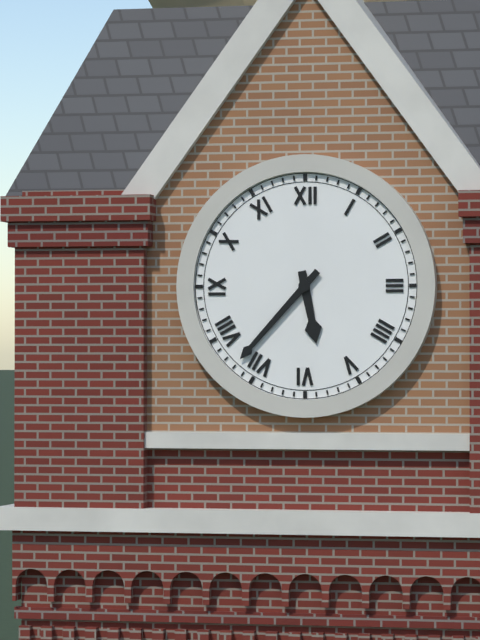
5:37
